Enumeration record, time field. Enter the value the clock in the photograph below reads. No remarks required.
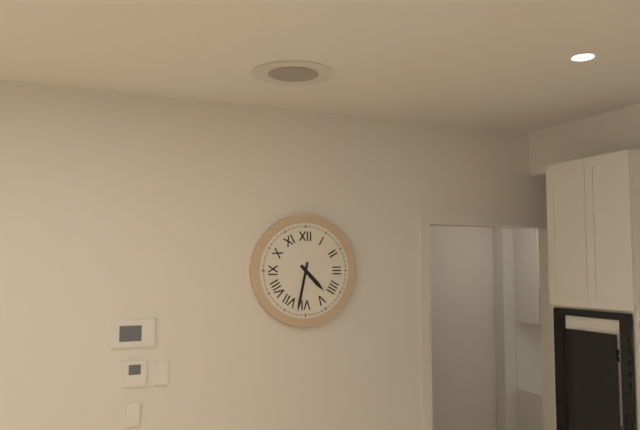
4:32
